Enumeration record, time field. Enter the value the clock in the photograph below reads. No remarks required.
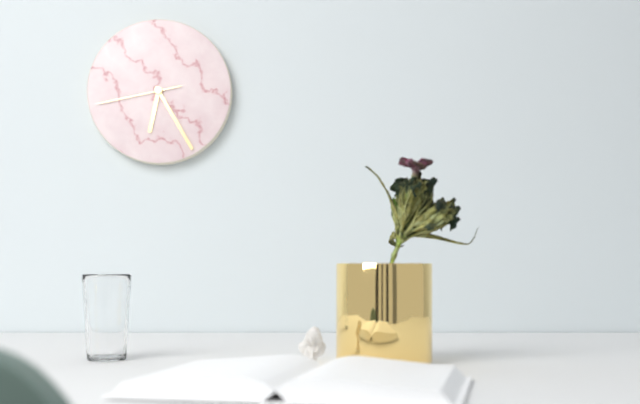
6:25:43
